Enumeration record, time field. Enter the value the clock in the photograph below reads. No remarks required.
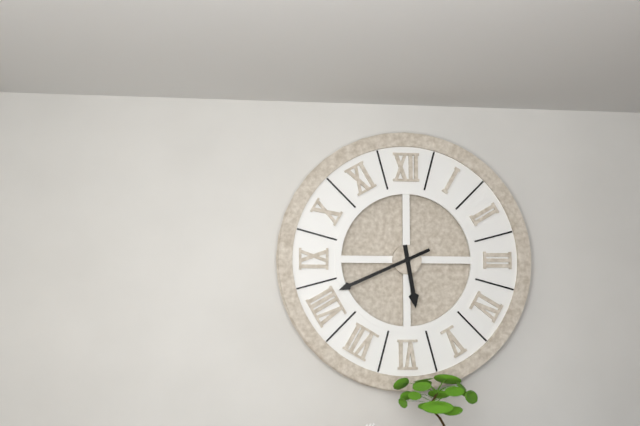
5:41
